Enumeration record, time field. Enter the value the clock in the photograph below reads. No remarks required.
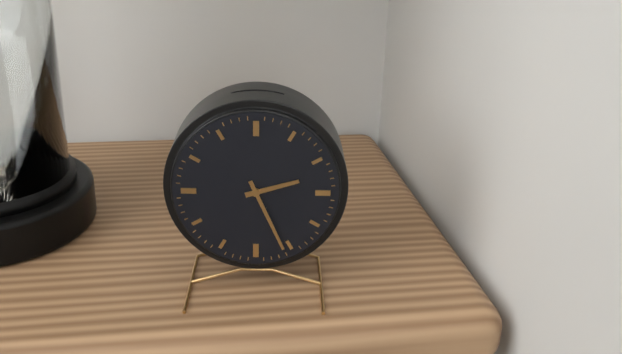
2:26
